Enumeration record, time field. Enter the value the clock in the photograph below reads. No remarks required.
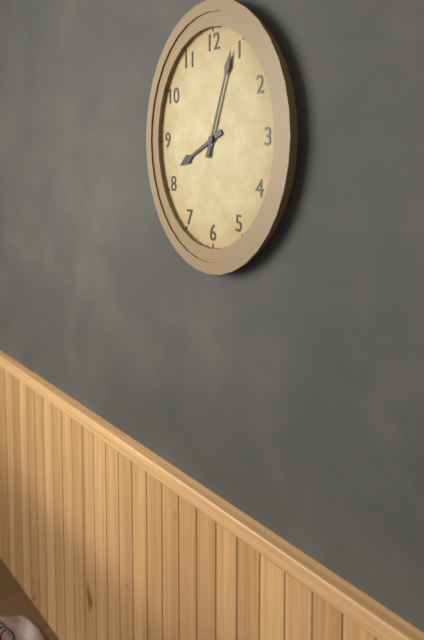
8:03
